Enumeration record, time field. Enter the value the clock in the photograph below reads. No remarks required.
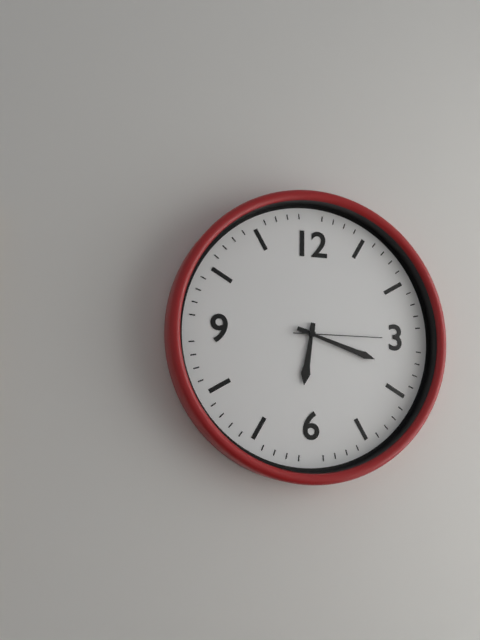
6:18:15
